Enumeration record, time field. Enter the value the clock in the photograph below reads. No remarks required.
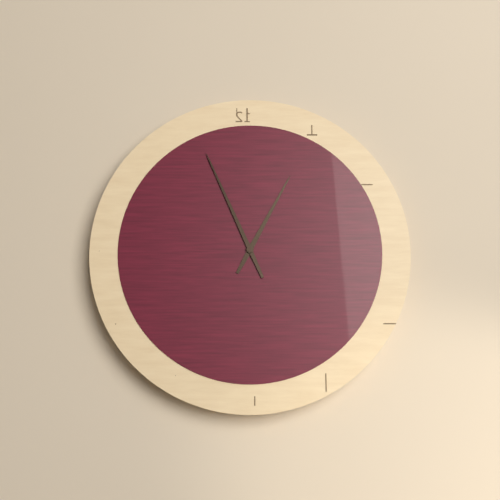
12:56
